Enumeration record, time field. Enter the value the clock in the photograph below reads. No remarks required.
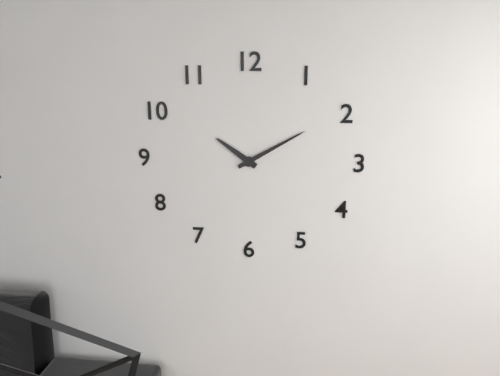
10:10
